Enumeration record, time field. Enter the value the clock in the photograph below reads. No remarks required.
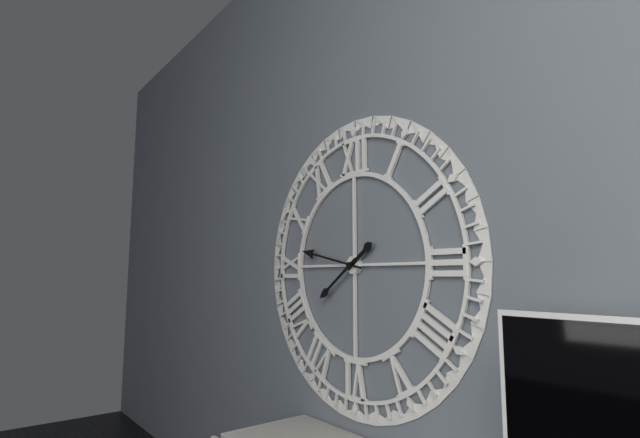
1:47:39
